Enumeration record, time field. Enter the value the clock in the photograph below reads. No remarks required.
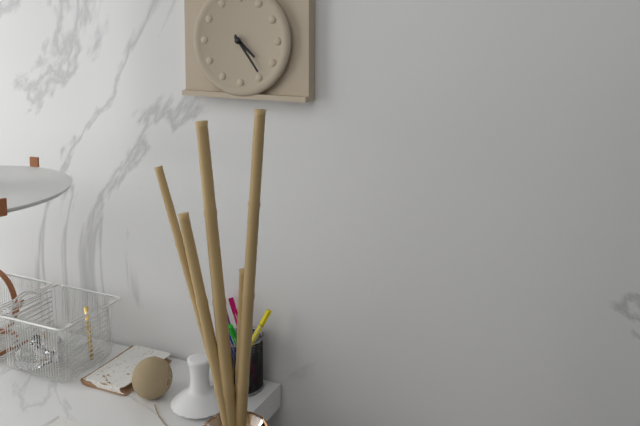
4:24
